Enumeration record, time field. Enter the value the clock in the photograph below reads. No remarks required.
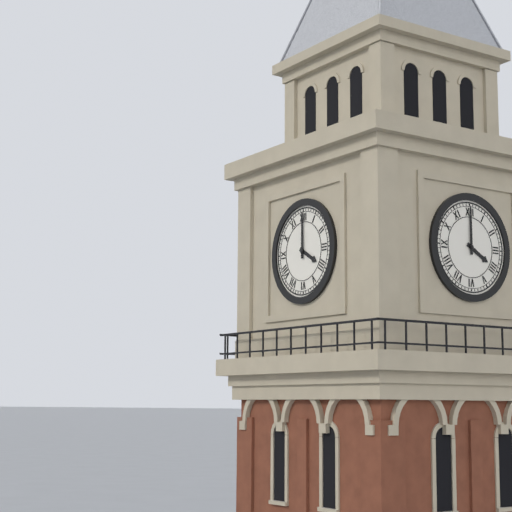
4:00
